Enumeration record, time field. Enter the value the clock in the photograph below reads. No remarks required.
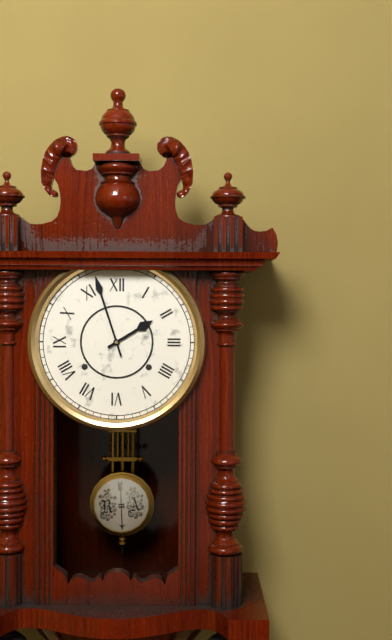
1:57
